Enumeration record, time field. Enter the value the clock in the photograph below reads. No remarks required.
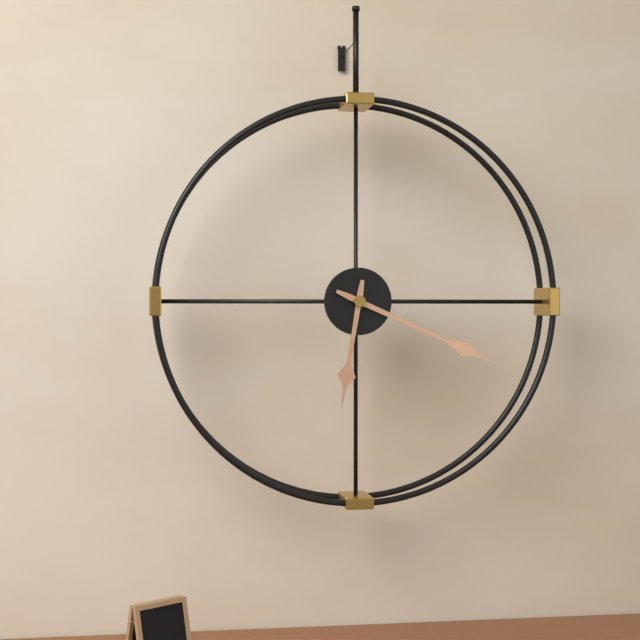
6:19
